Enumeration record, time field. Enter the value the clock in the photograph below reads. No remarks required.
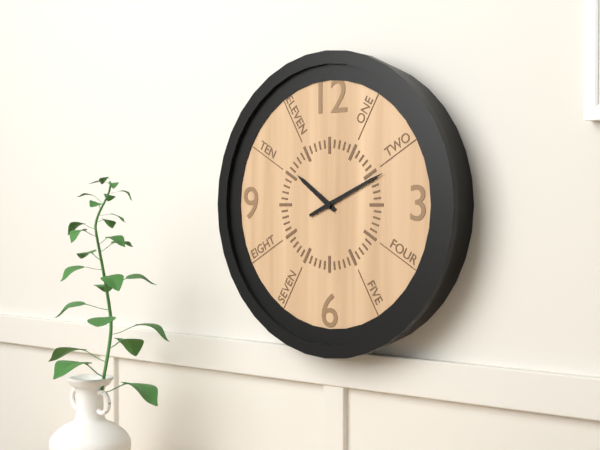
10:11
